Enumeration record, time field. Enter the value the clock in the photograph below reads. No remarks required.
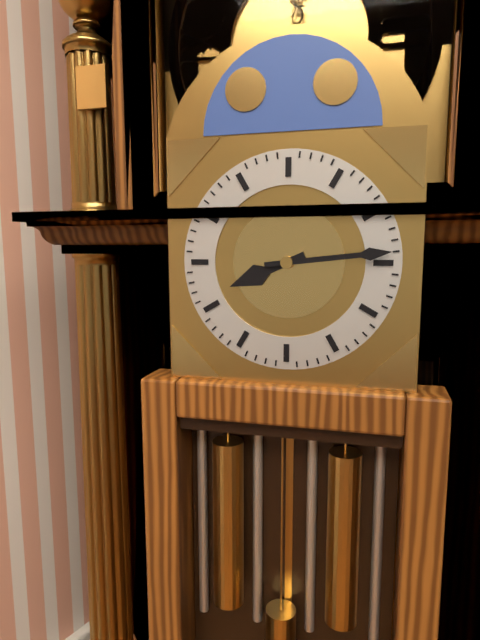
8:14
